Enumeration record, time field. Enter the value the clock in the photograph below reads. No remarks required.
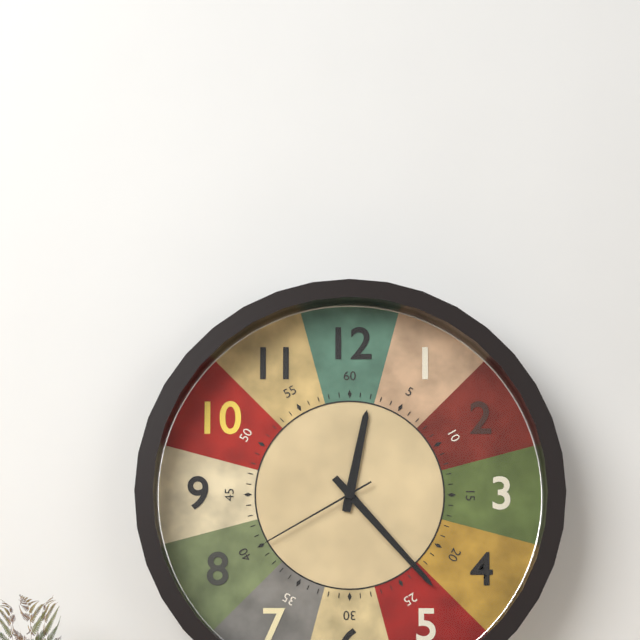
12:23:40
